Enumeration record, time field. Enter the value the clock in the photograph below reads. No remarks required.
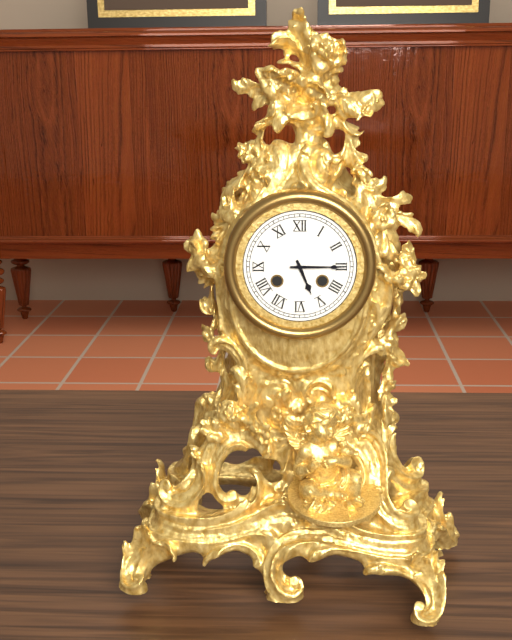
5:15
